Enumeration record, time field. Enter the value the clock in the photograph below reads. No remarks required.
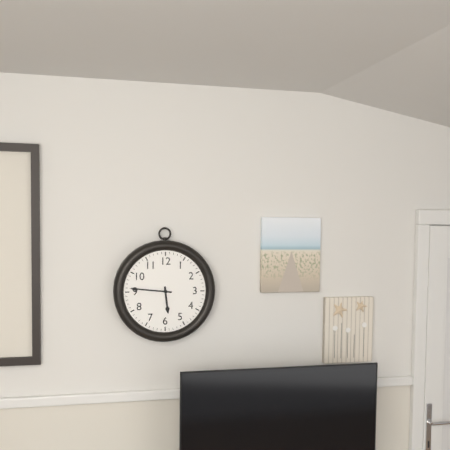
5:46
